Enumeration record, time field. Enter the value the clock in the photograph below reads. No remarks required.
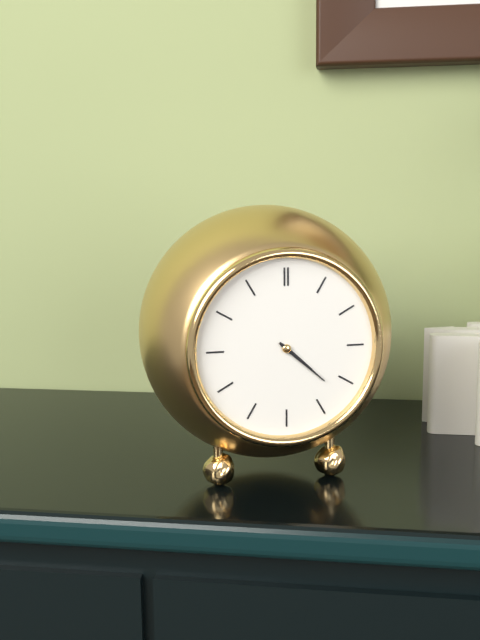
4:22
